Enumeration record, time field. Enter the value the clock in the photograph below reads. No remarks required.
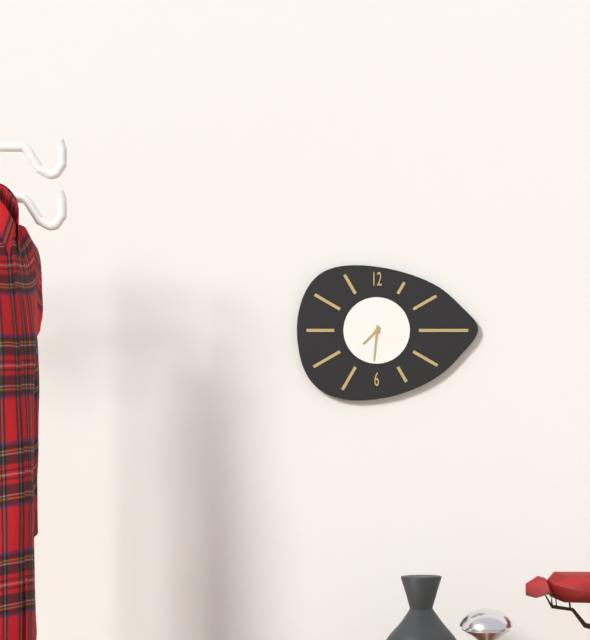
7:31
